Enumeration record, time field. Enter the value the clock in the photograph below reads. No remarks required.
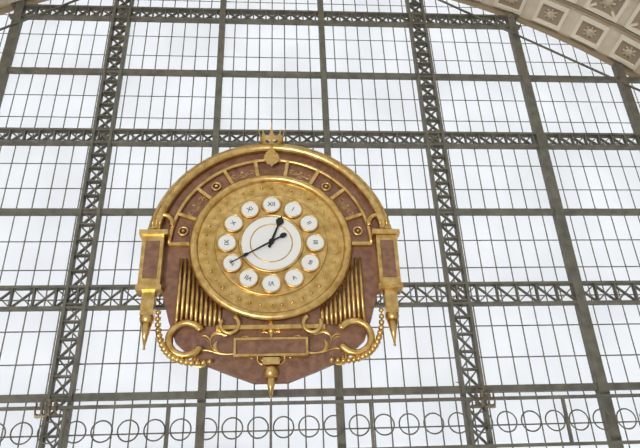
12:40
